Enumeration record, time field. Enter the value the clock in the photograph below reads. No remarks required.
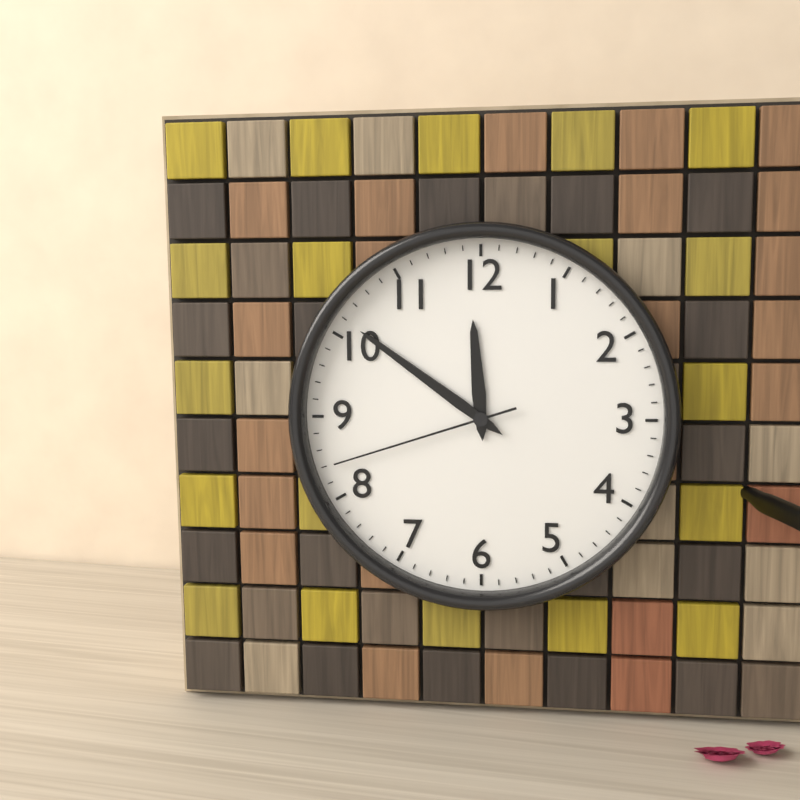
11:51:42
